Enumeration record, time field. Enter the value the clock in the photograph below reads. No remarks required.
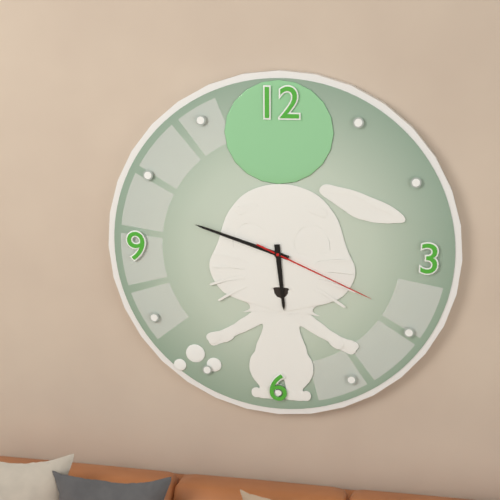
5:48:19
